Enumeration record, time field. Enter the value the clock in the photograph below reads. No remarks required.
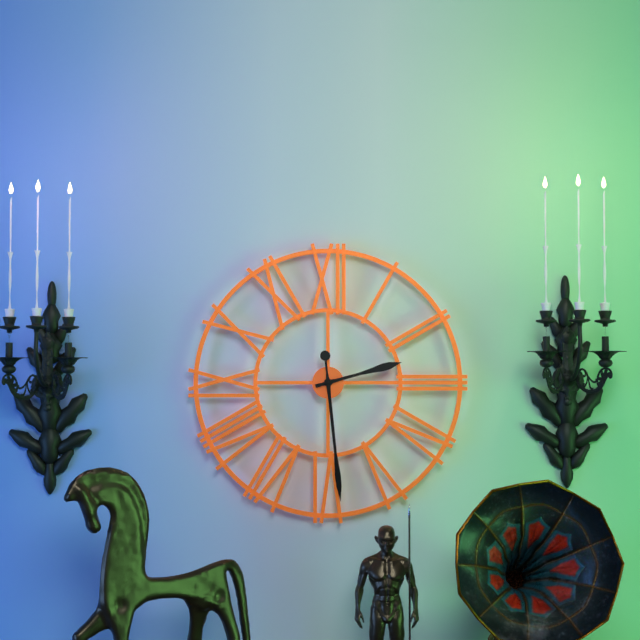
2:29
